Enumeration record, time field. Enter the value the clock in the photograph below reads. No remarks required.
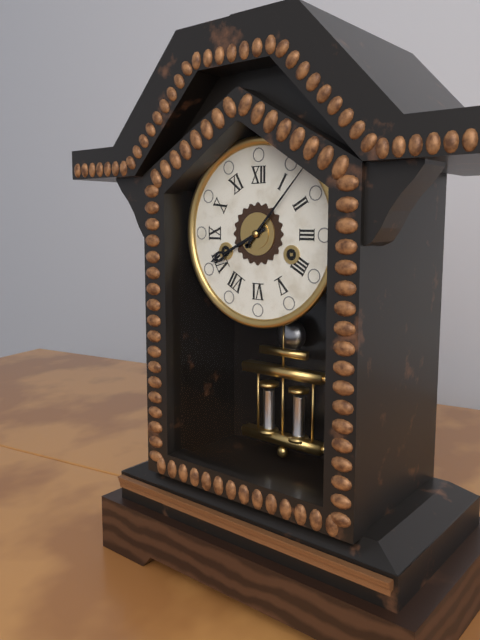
8:07
